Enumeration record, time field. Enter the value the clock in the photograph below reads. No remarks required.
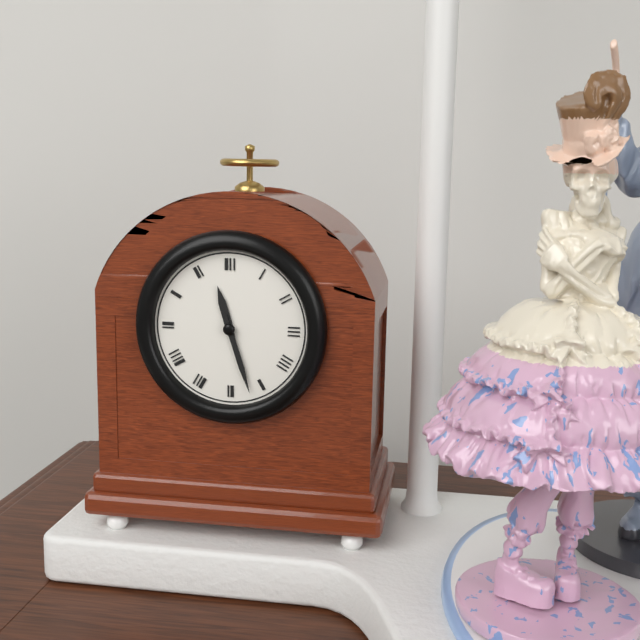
11:27
